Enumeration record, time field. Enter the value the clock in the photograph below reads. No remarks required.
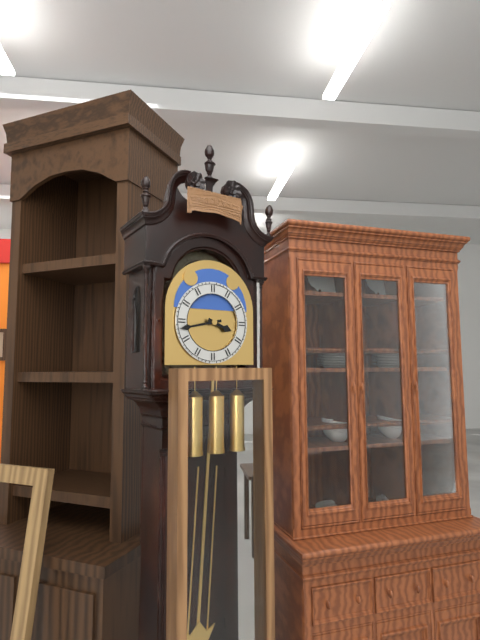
3:43
